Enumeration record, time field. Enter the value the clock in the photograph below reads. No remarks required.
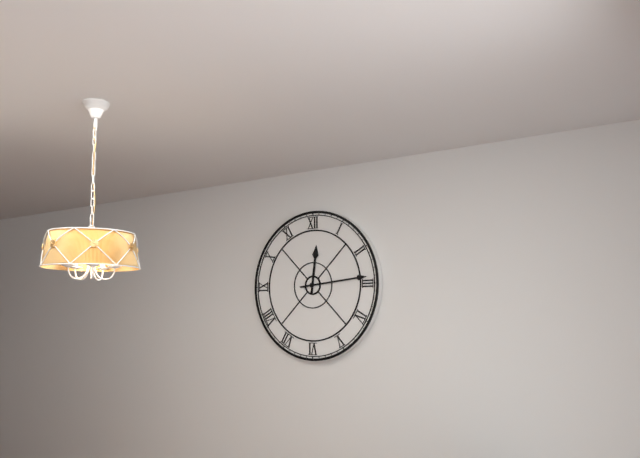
12:14
